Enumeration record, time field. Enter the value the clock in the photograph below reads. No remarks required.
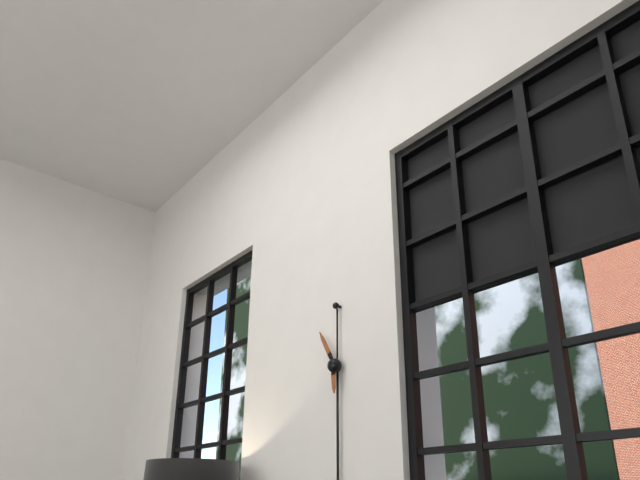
5:55
